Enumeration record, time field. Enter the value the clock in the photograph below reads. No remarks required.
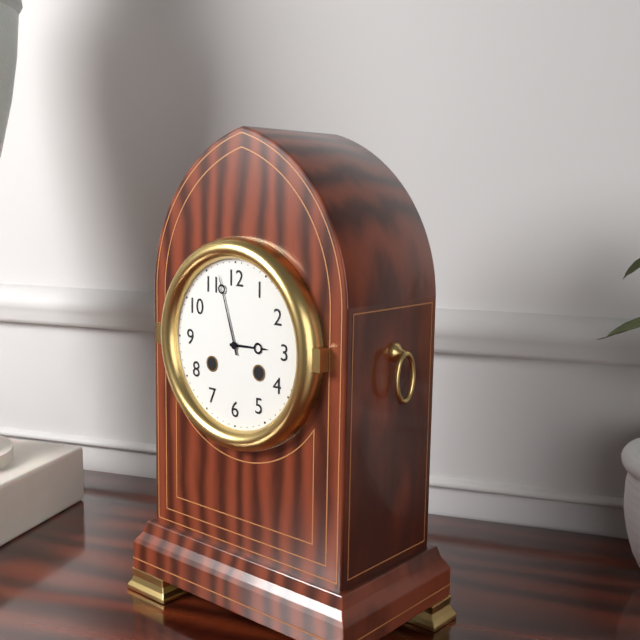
2:57
